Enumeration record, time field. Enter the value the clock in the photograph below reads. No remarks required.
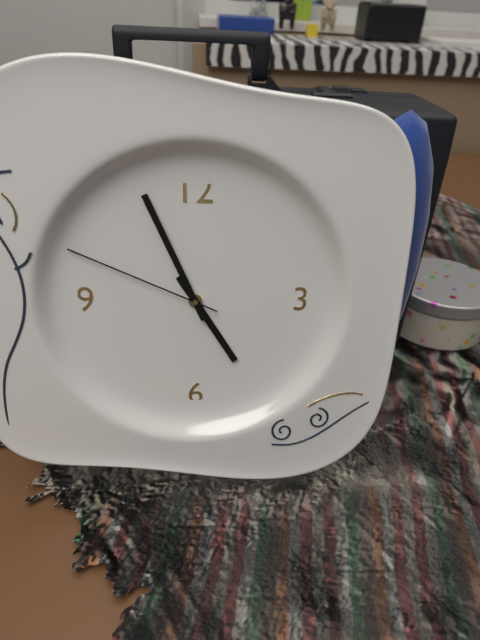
4:56:49
